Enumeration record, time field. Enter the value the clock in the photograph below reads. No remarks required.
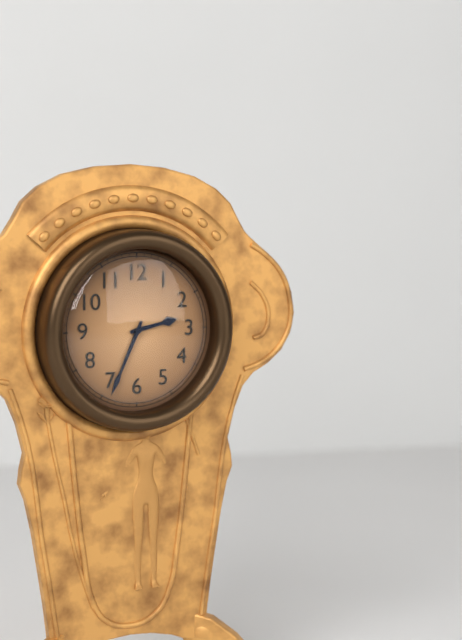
2:34
